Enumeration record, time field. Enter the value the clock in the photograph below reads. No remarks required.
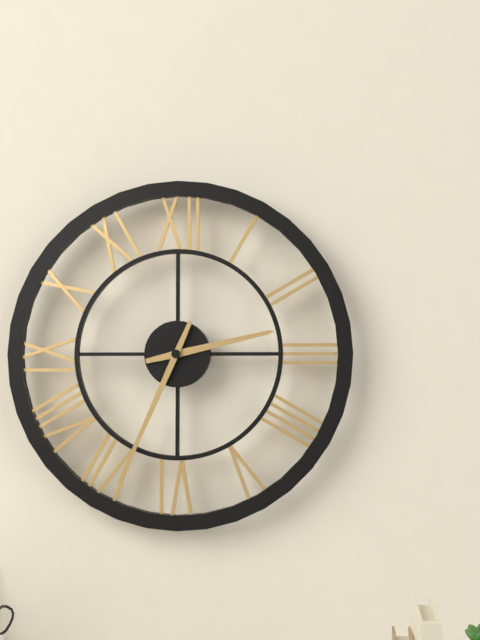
2:34
